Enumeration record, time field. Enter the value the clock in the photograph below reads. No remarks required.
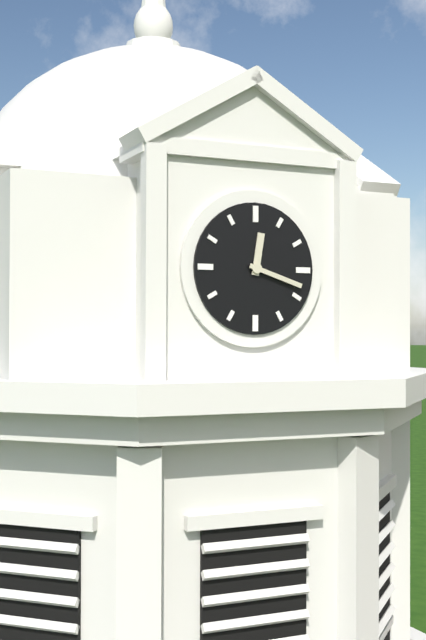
12:18
